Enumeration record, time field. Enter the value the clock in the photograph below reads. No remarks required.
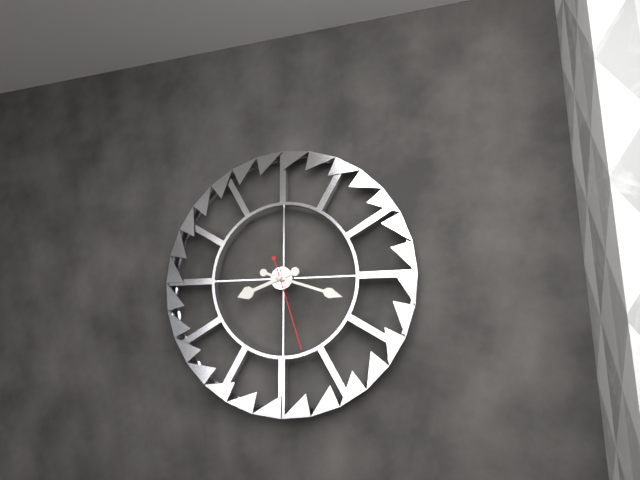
8:18:27
